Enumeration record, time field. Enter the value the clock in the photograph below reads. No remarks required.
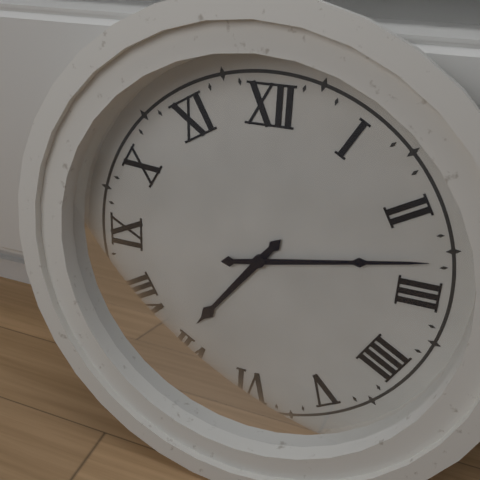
7:13
